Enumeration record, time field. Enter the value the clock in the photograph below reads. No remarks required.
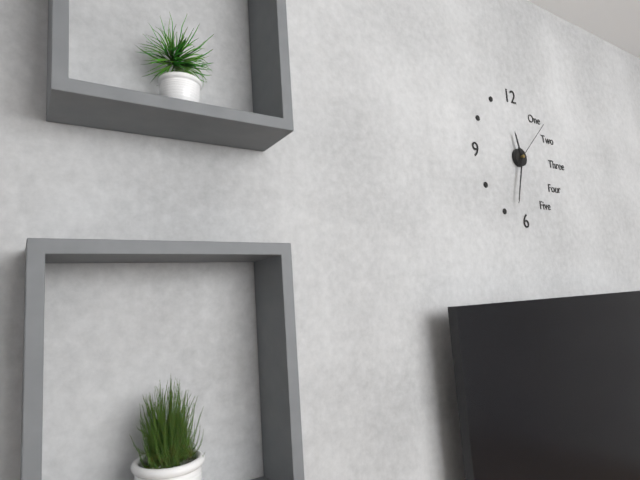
11:33
